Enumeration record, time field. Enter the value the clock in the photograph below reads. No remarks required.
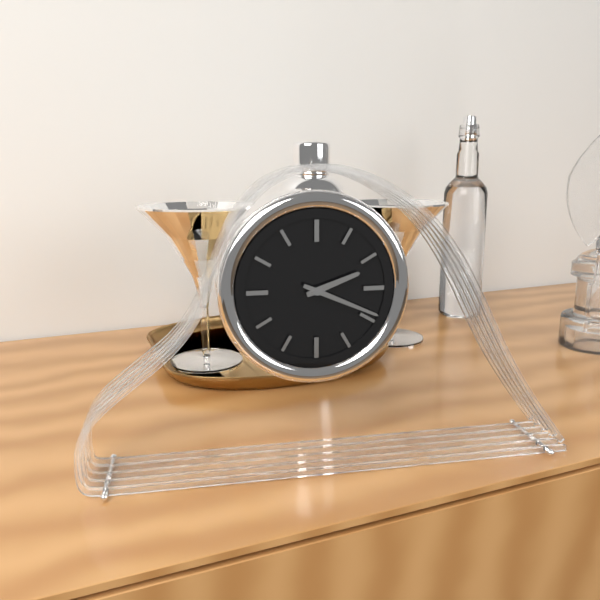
2:19
